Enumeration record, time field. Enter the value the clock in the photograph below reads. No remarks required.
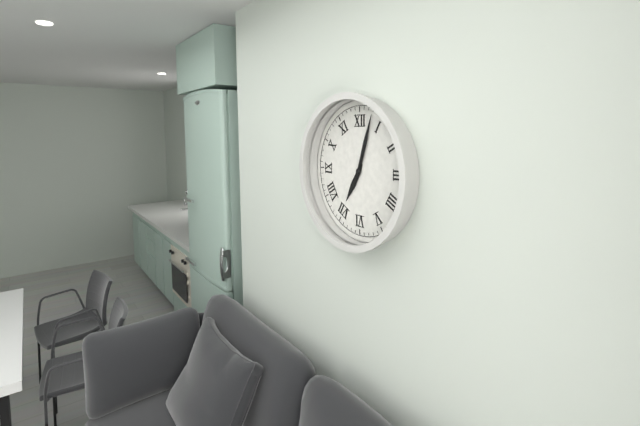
7:03
